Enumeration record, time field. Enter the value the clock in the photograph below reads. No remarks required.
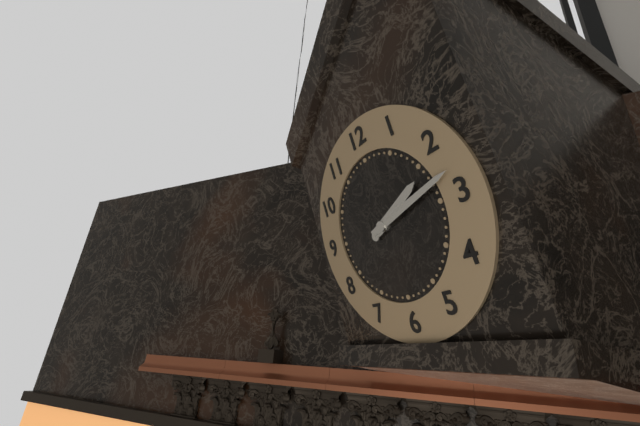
2:13
